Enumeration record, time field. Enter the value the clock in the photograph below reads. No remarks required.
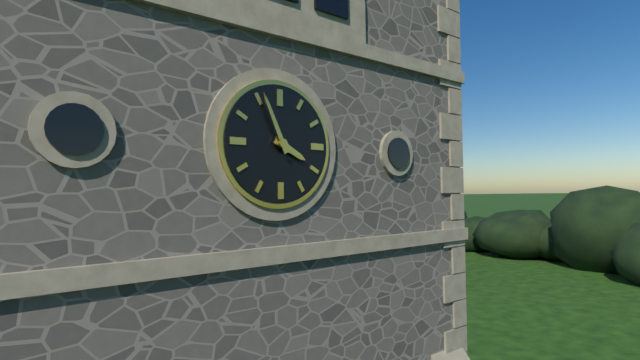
3:56
